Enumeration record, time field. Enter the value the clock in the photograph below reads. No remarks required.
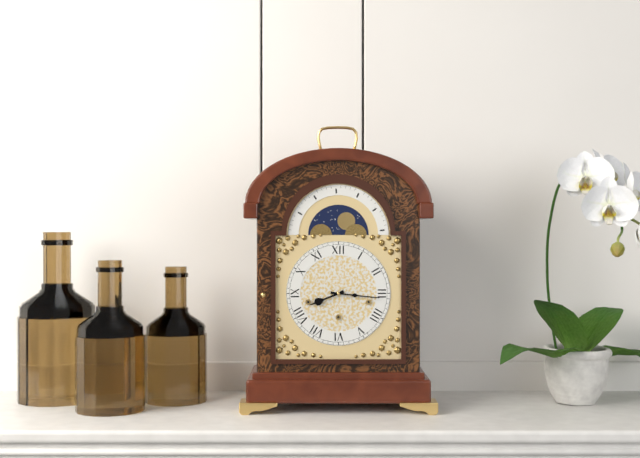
8:16
